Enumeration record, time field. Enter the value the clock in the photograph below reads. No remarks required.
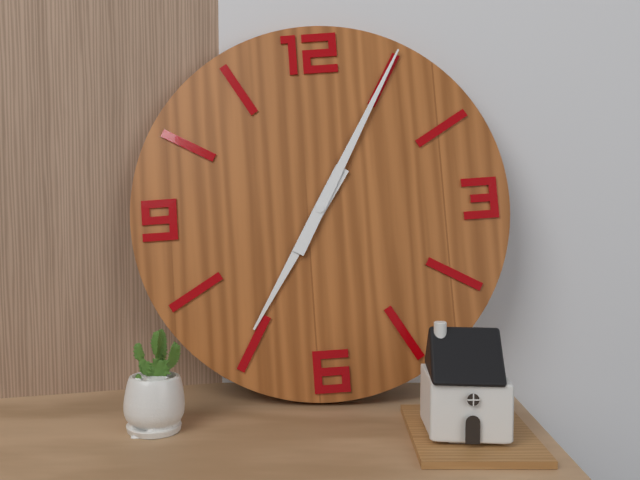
7:05
